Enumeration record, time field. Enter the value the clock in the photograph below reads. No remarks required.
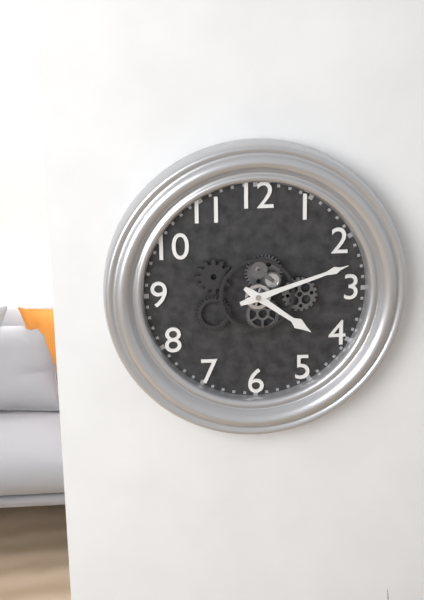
4:12
